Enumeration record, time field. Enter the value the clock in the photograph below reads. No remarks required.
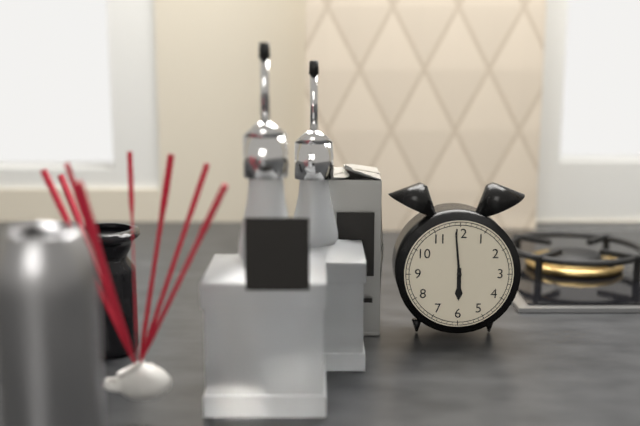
5:59
